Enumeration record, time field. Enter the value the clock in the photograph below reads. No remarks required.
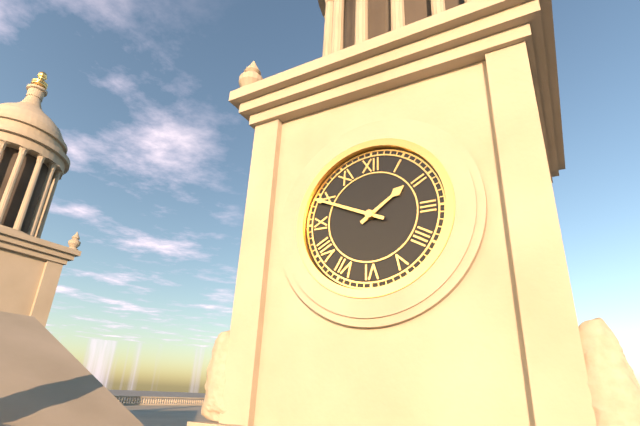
1:49
